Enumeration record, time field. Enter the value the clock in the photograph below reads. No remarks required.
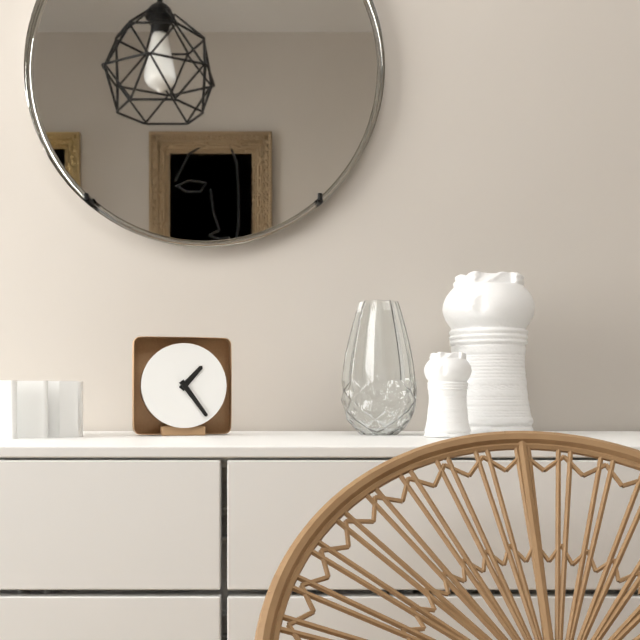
1:24
